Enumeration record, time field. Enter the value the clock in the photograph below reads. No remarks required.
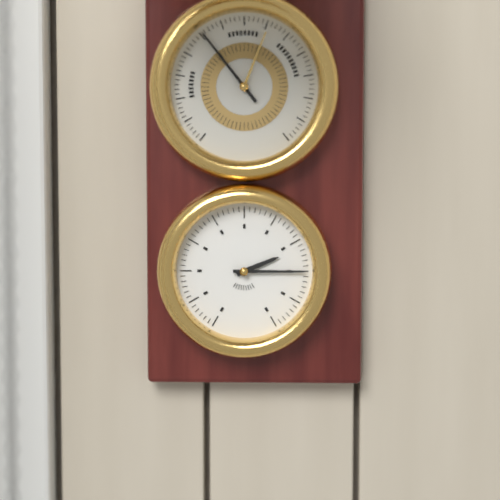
2:15
